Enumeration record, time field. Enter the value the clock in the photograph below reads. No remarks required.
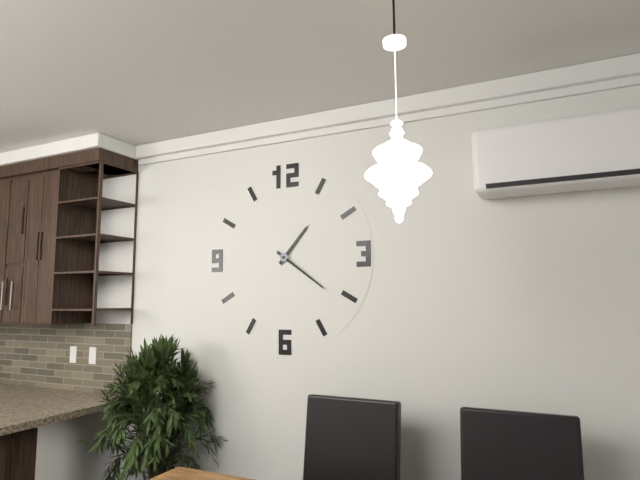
1:21
